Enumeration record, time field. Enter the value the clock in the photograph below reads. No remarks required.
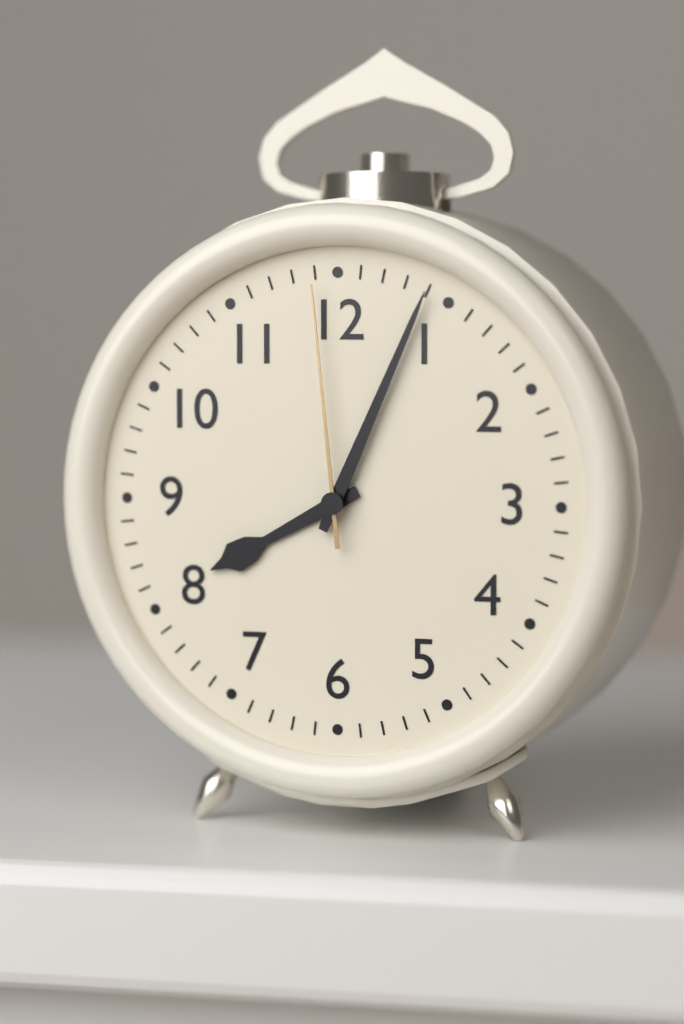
8:04:59
